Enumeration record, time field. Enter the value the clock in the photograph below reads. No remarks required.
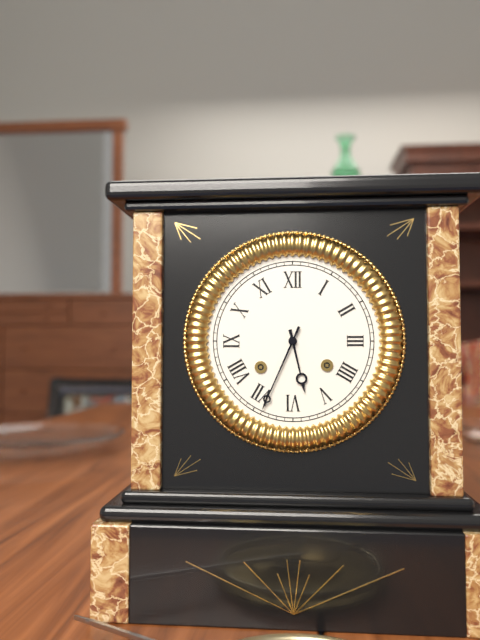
5:34
